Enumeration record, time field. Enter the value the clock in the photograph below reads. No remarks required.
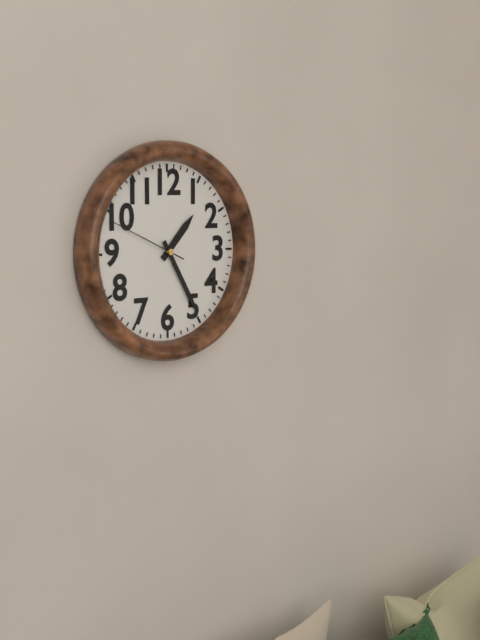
1:25:49
